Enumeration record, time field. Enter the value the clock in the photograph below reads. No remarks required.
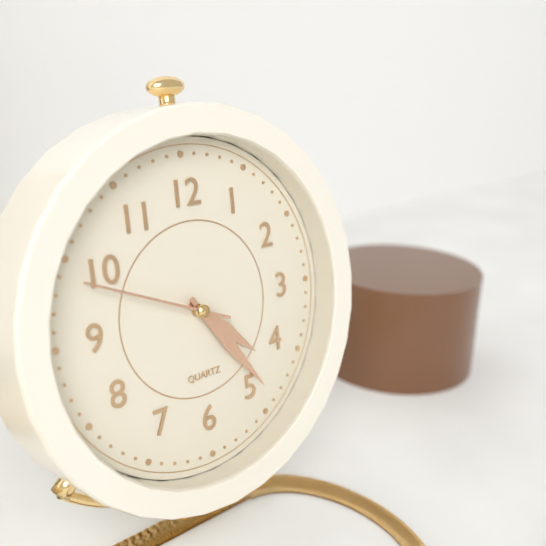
4:24:49
